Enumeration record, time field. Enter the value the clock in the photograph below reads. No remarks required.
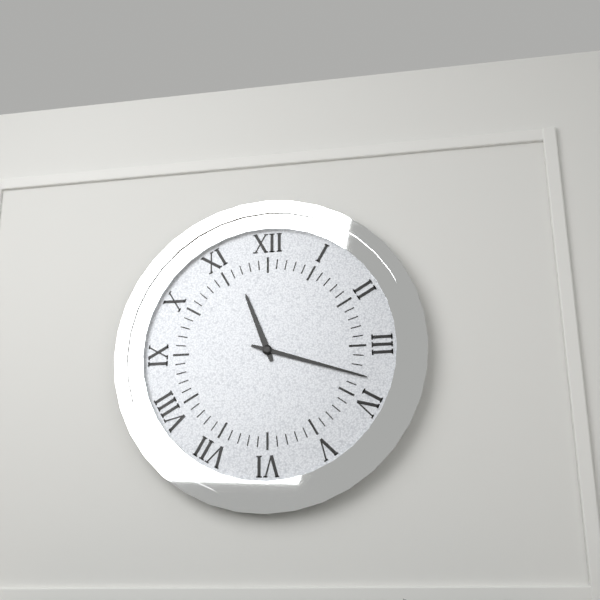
11:18
